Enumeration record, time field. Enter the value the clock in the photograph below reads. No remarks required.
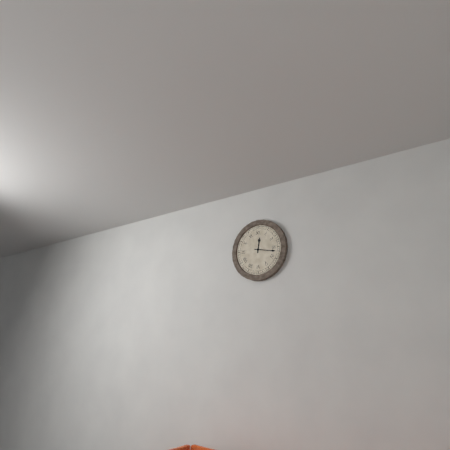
12:17
